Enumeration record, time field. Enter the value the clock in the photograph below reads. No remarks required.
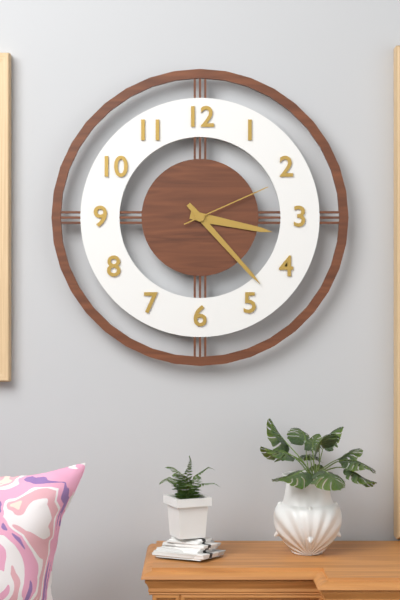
3:23:11
